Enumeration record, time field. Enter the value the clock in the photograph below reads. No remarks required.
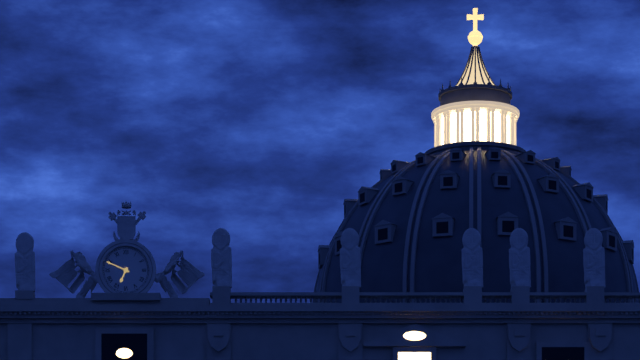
6:49
